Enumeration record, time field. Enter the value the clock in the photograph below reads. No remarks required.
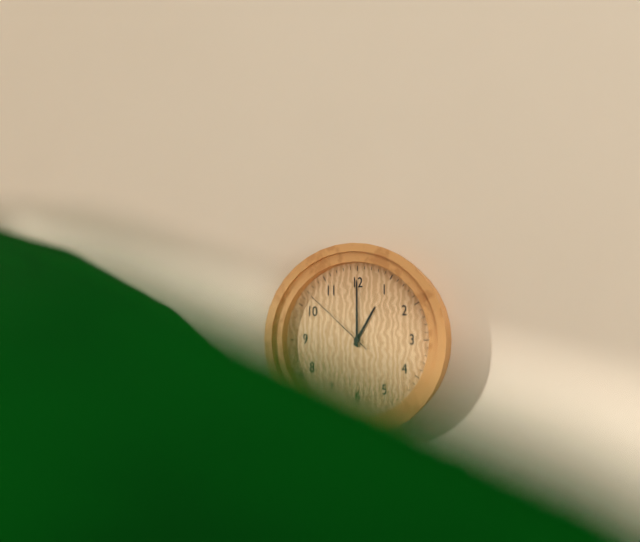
1:00:52
